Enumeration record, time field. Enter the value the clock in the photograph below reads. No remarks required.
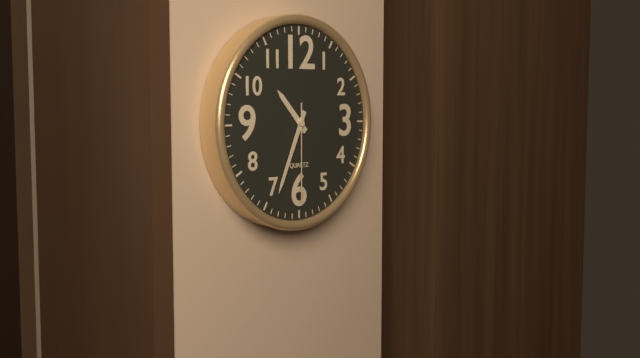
10:34:30
